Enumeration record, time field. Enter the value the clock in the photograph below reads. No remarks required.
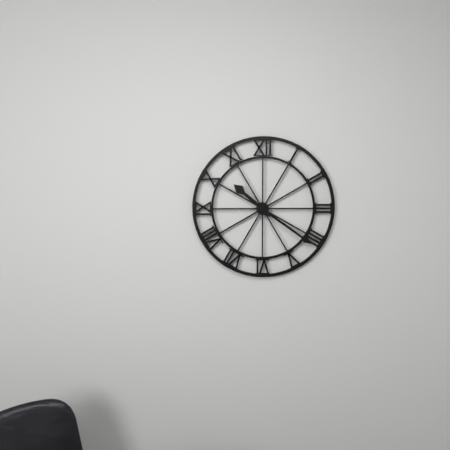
10:21
